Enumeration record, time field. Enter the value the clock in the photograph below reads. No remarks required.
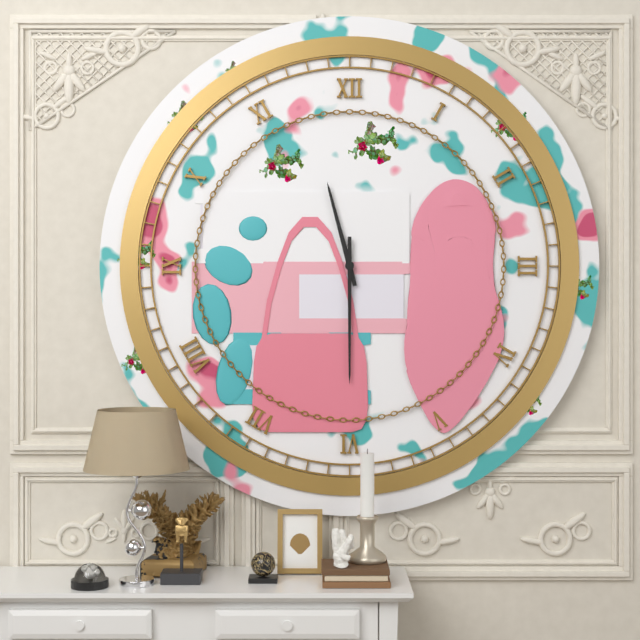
11:30
